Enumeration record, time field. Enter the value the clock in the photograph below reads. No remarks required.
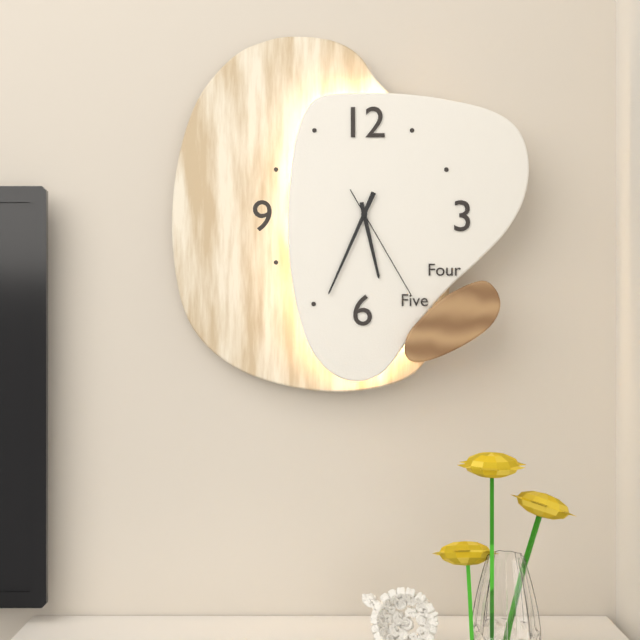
5:34:25
